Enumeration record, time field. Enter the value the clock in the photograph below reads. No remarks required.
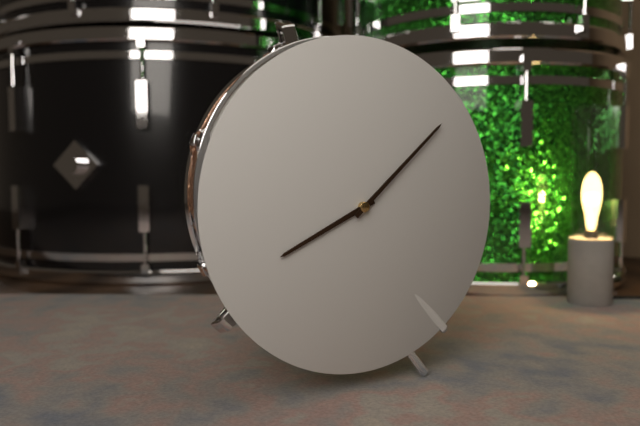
8:08
